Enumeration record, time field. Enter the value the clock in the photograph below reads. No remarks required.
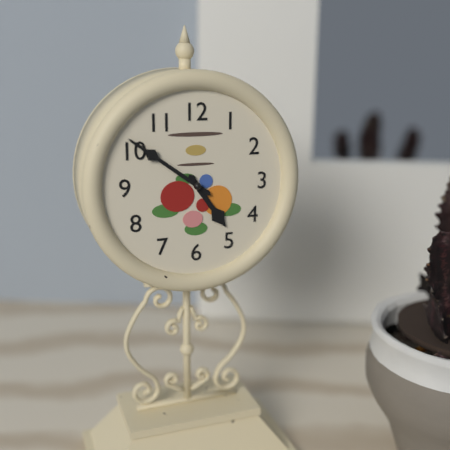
4:51
